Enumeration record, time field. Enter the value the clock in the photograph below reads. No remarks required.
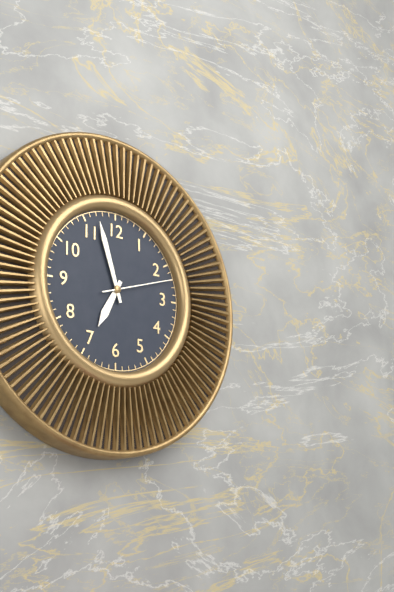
6:57:12
